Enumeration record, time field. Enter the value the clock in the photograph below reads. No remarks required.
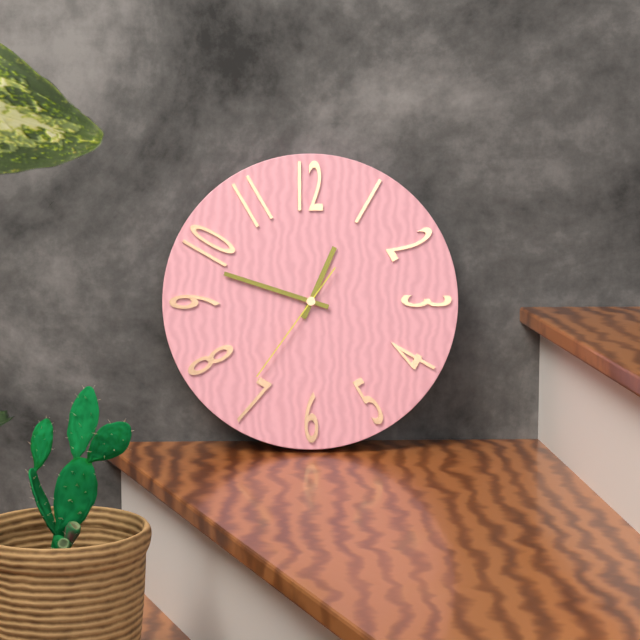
12:48:36
